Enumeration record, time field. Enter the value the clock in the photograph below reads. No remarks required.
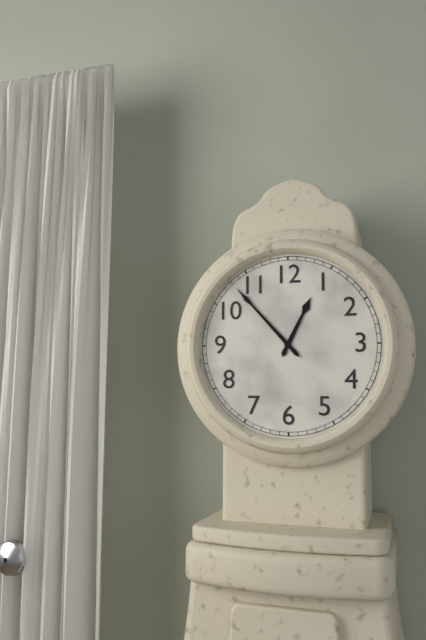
12:53
